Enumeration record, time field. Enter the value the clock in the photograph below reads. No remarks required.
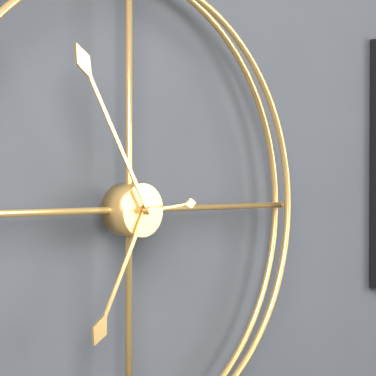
6:55:14
